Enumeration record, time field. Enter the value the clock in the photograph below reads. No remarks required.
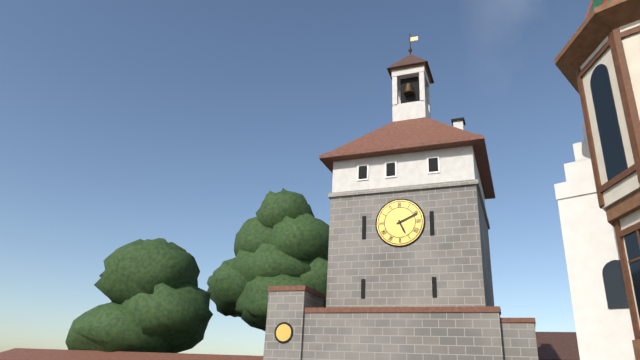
5:11
